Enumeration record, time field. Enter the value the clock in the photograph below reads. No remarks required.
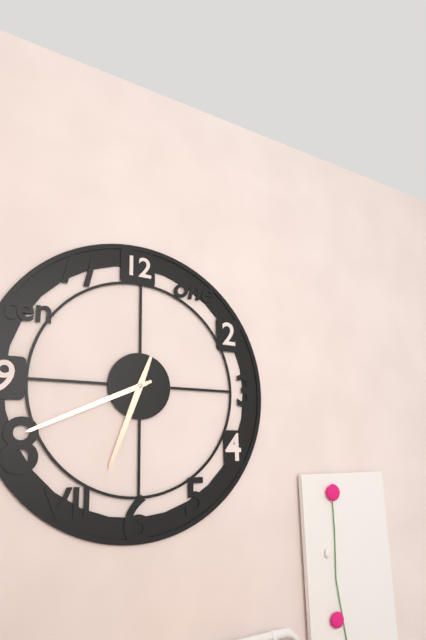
6:41
